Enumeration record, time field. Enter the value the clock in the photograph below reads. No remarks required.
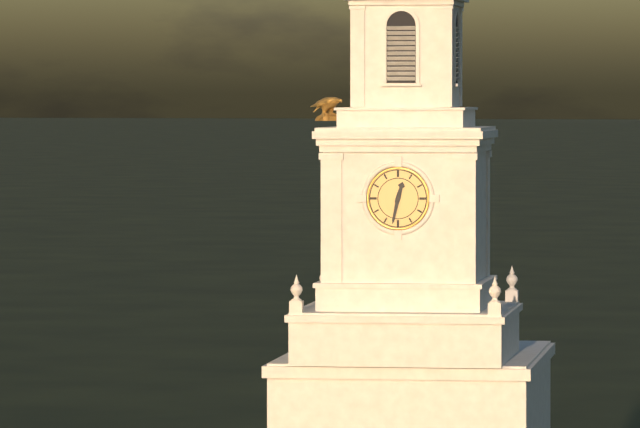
12:32
